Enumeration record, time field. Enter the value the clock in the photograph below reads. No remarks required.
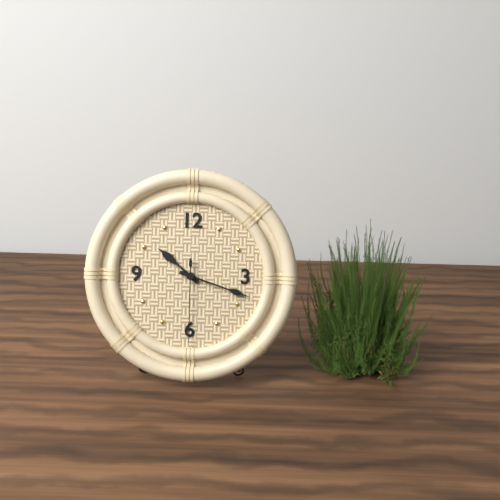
10:18:30
